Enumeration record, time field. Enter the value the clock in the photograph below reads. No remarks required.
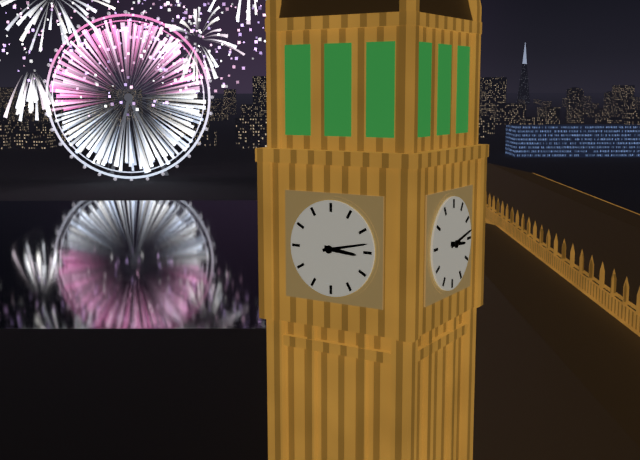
3:13
